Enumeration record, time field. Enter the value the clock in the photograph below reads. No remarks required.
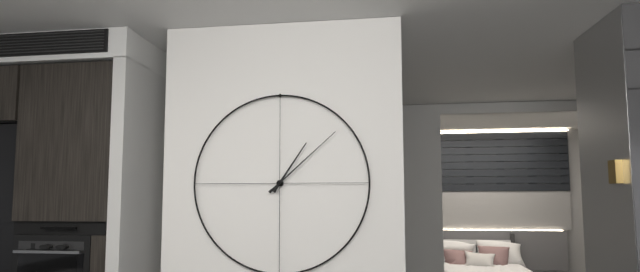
1:08
